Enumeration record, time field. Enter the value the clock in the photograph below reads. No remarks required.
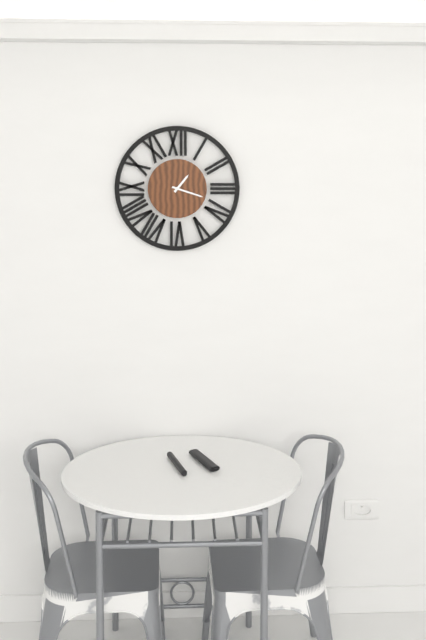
1:18
